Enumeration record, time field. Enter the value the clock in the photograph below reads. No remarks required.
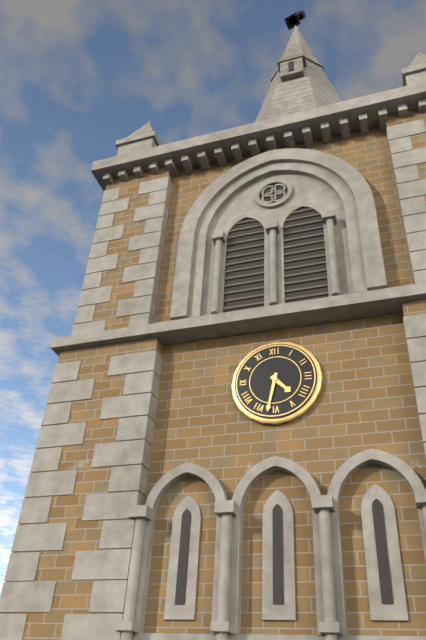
4:32
